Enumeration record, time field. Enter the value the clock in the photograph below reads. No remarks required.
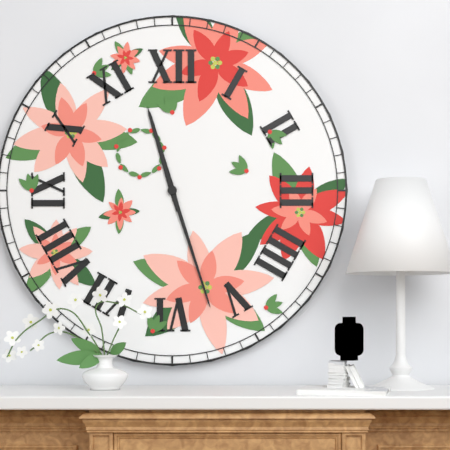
11:27
